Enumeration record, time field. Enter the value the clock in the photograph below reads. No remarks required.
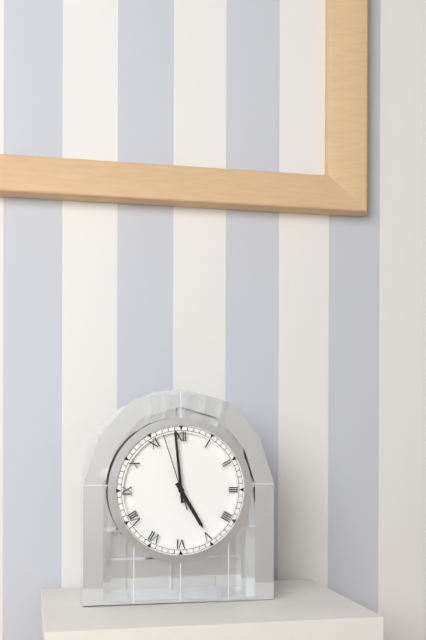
4:59:57
